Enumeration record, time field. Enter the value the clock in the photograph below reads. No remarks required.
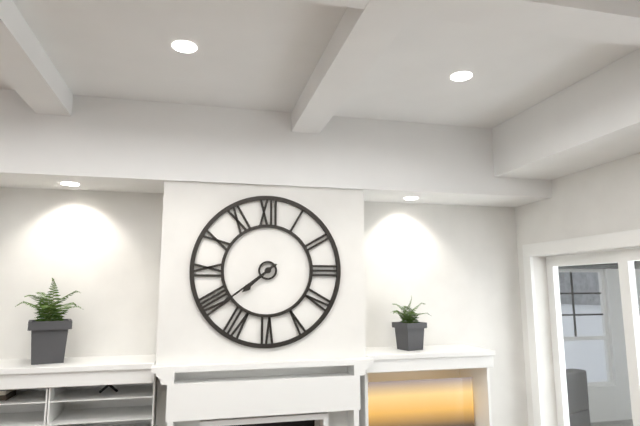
7:39
